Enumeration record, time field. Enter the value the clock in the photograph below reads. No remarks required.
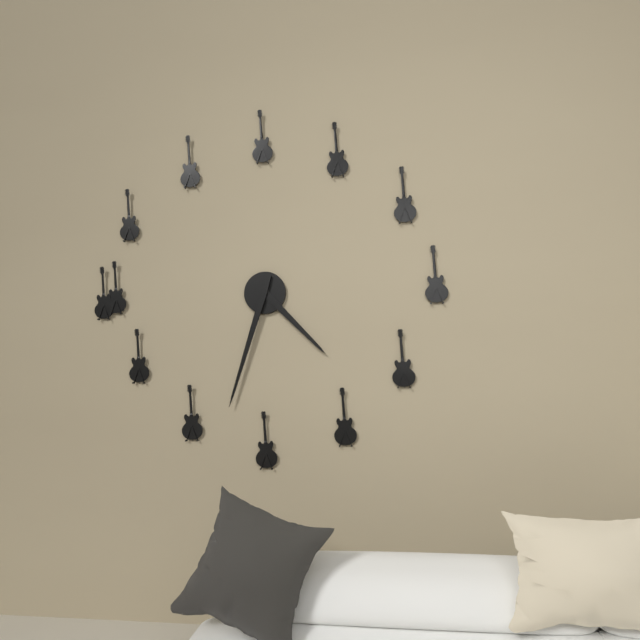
4:33
